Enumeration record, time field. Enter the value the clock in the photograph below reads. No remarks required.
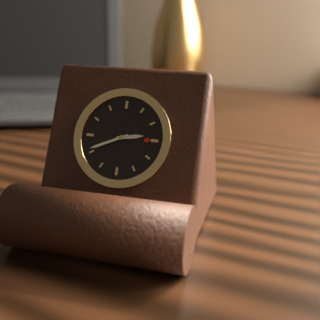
2:41
